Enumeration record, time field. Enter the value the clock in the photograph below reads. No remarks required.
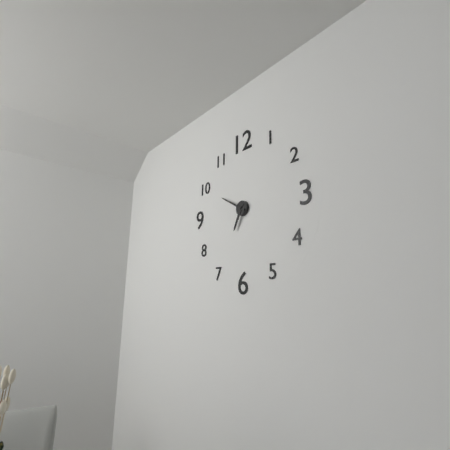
6:50
